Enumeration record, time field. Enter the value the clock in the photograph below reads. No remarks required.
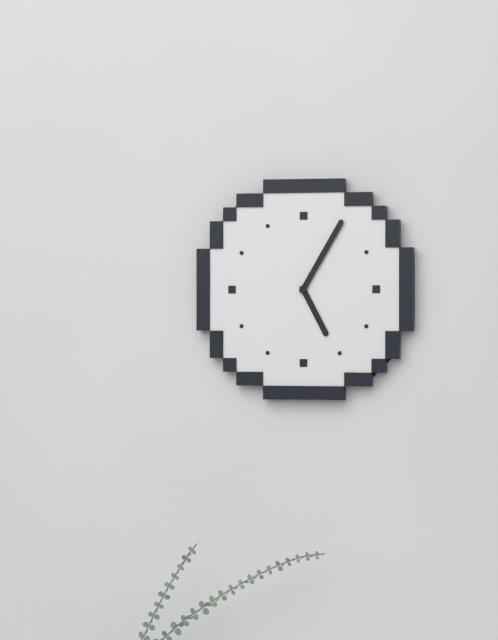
5:05
